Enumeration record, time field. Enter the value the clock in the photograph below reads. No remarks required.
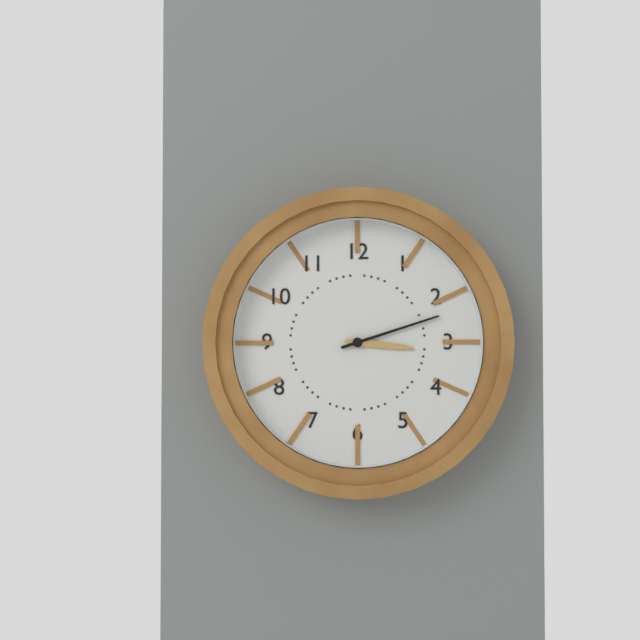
3:12
